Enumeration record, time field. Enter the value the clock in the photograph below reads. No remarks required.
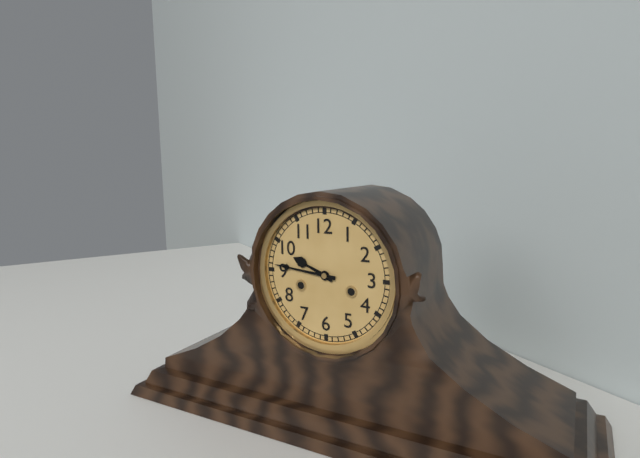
9:46
